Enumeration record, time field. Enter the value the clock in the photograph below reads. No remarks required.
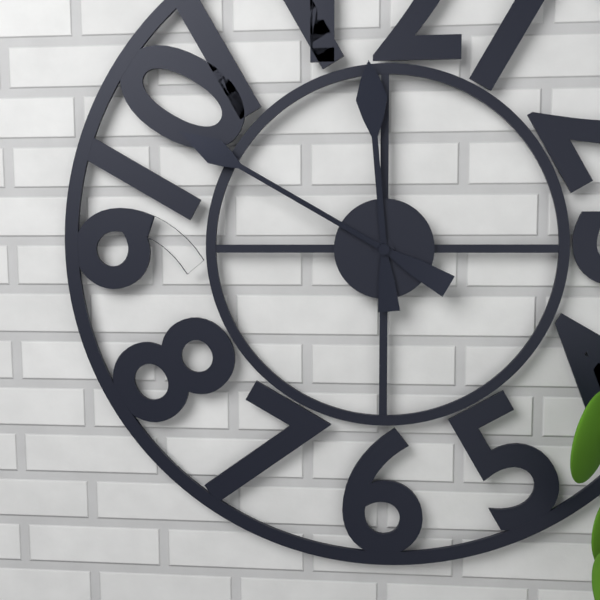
11:50
